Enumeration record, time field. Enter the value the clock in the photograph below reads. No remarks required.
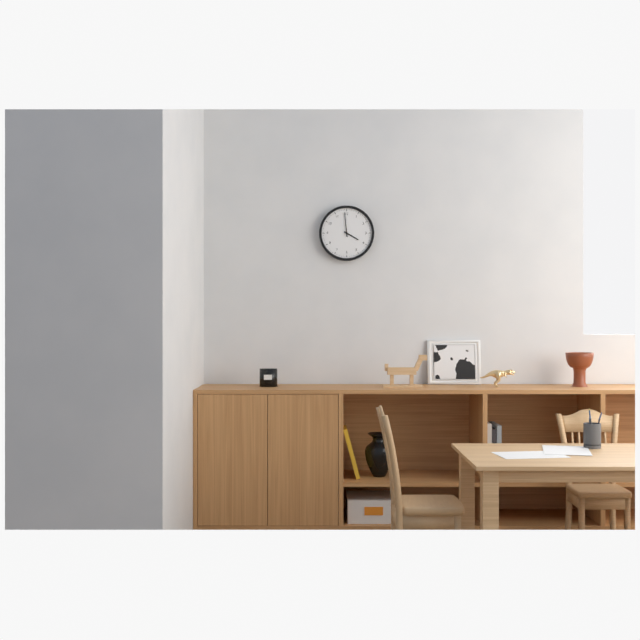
3:59
